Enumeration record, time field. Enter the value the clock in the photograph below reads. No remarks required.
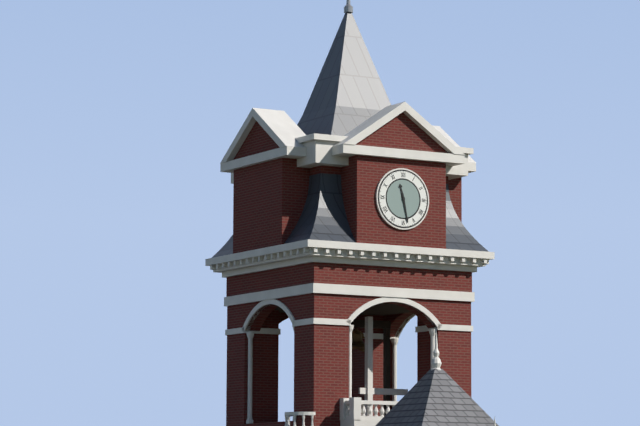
11:28
